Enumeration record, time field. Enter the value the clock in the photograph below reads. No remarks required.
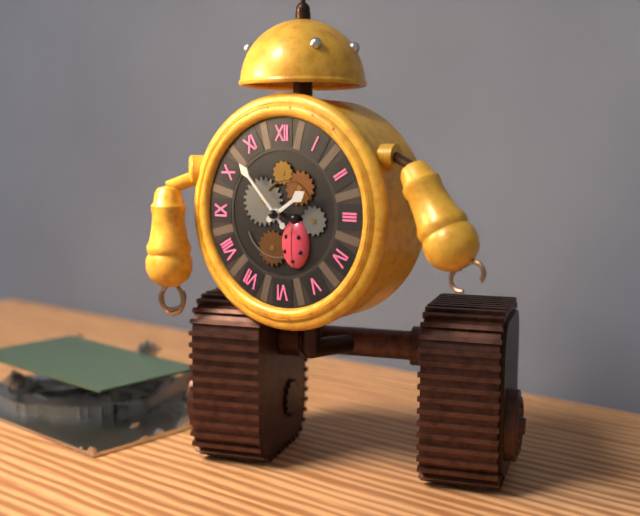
1:53
